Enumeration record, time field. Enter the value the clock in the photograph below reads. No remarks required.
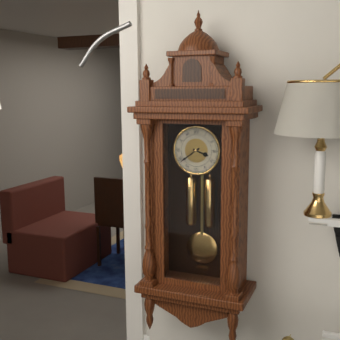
3:39
